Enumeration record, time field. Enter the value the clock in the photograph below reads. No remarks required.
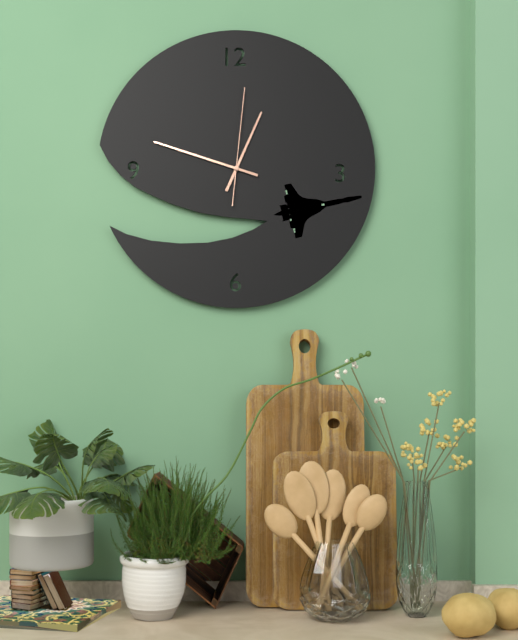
12:48:01
